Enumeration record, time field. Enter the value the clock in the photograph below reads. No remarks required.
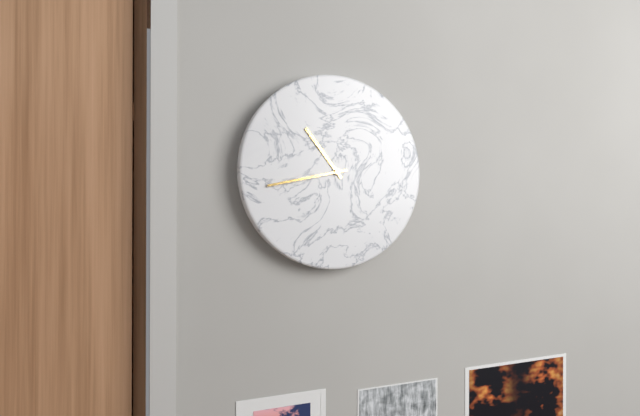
10:43
